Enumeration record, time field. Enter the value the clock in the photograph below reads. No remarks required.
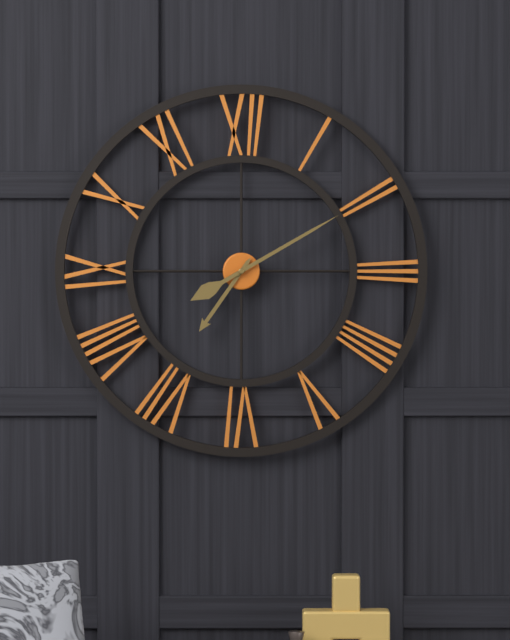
7:10
